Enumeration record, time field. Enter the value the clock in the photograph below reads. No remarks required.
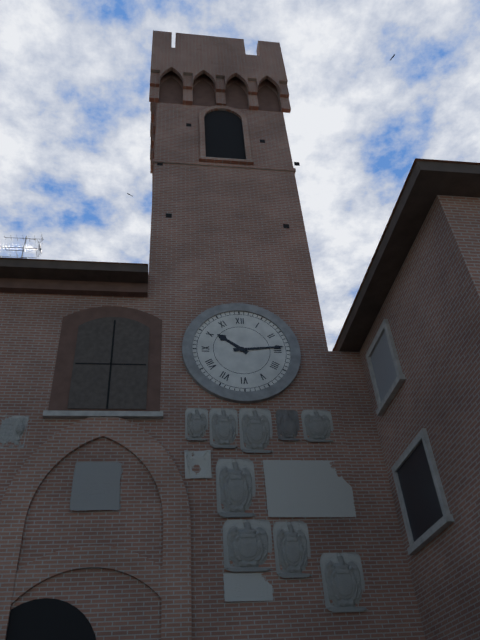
10:14
